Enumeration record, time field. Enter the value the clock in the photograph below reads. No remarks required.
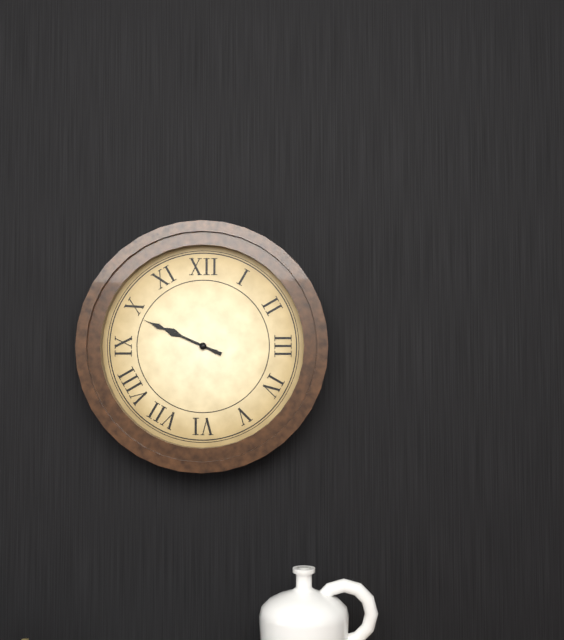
9:49
